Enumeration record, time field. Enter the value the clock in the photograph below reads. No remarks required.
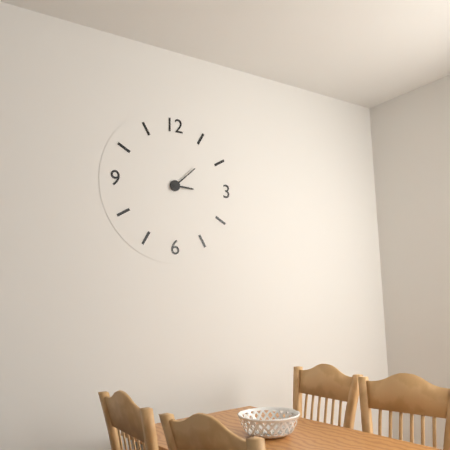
3:08
